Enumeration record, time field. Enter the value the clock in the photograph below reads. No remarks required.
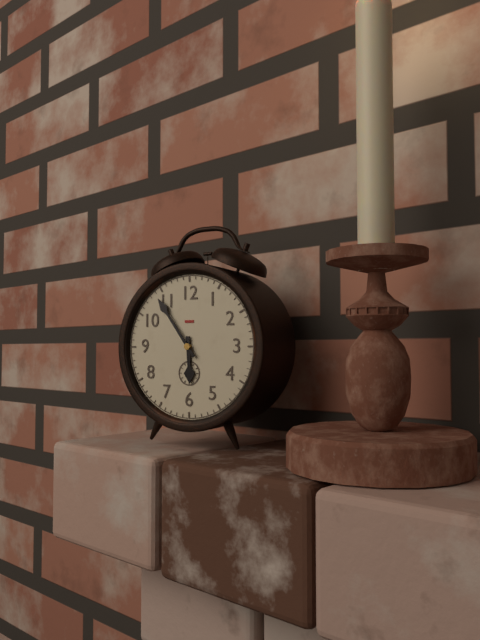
5:54
